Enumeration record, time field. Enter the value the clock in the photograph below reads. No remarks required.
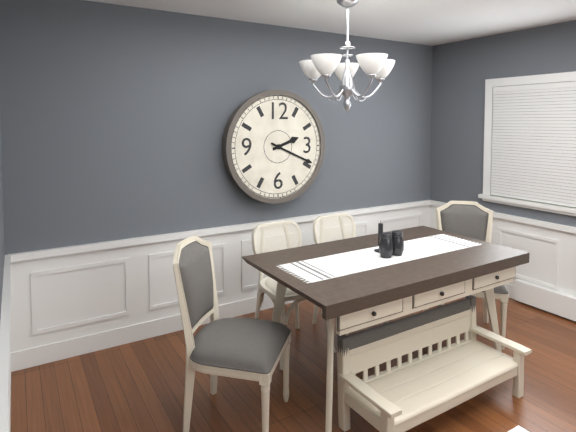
2:19
